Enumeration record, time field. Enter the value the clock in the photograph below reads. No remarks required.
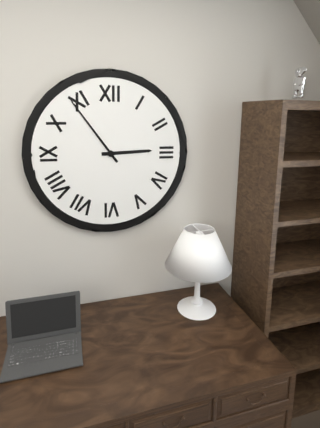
2:54
